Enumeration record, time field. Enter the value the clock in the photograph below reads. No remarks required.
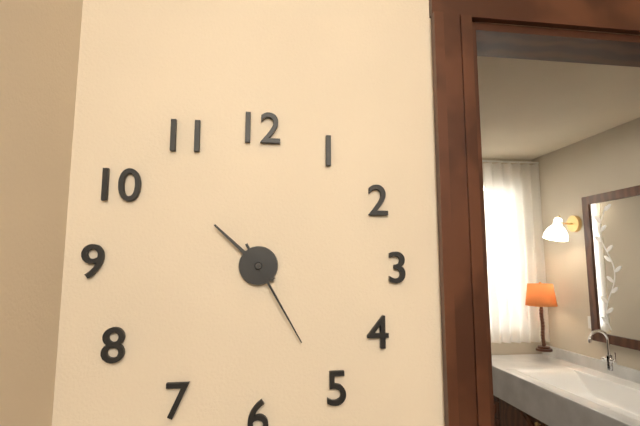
10:25
